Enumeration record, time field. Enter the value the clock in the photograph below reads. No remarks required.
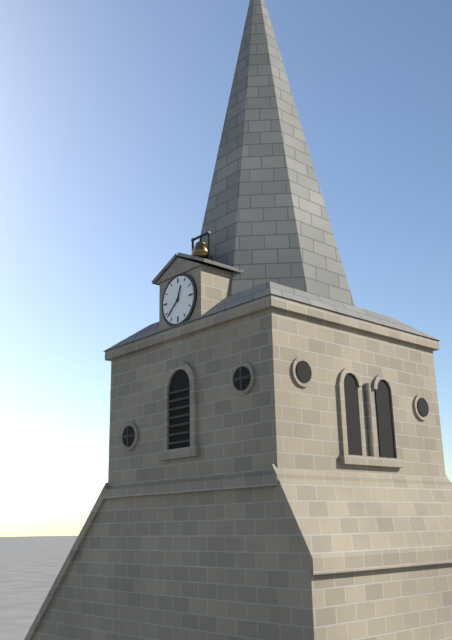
12:38
